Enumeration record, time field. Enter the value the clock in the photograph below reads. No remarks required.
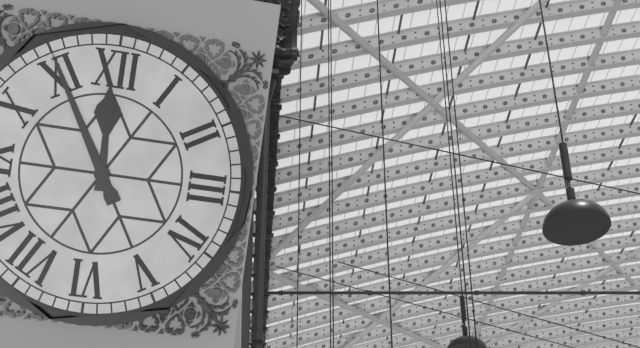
11:55
